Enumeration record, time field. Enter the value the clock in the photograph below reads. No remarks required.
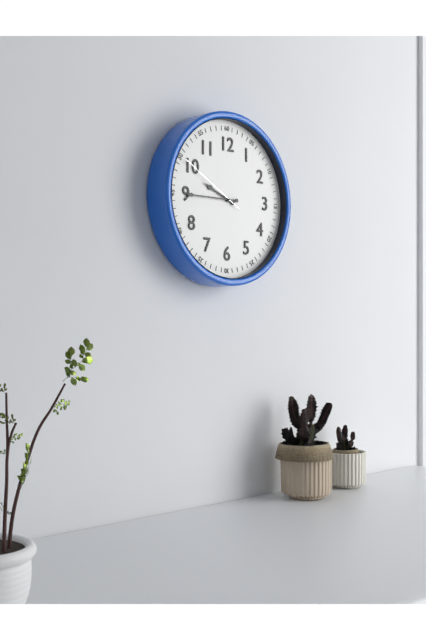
9:45:50
